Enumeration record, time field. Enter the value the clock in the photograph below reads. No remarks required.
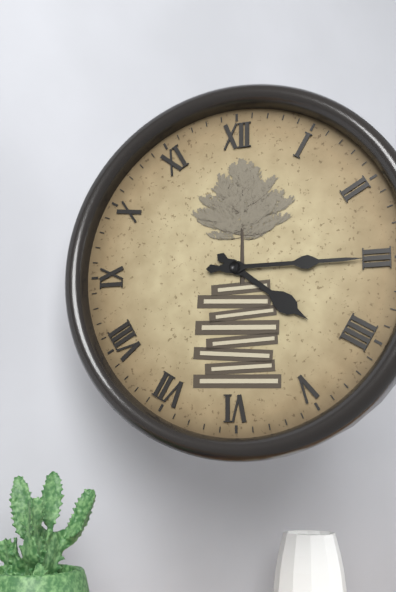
4:15
